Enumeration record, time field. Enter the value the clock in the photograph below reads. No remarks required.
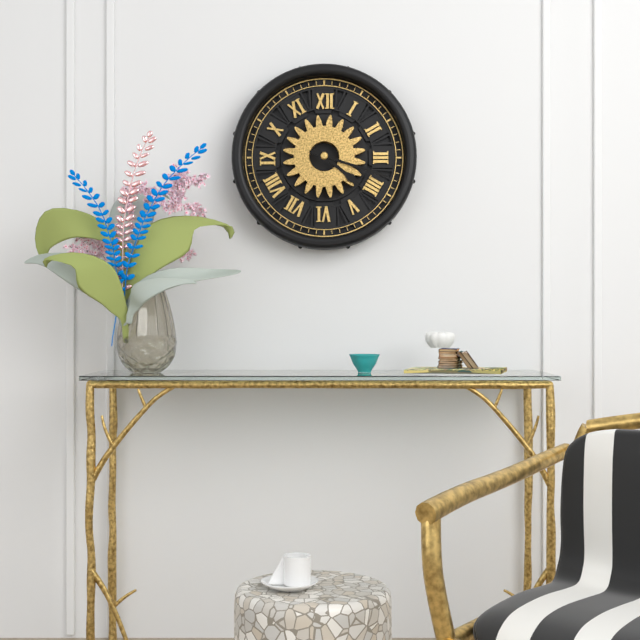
4:18
